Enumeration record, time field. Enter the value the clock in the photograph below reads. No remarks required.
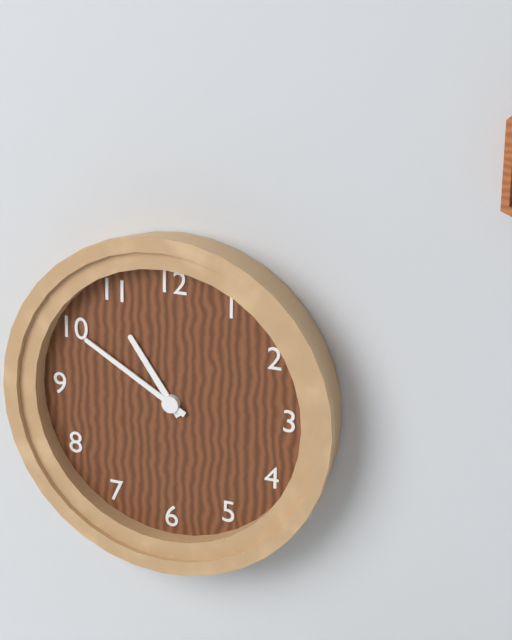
10:50
